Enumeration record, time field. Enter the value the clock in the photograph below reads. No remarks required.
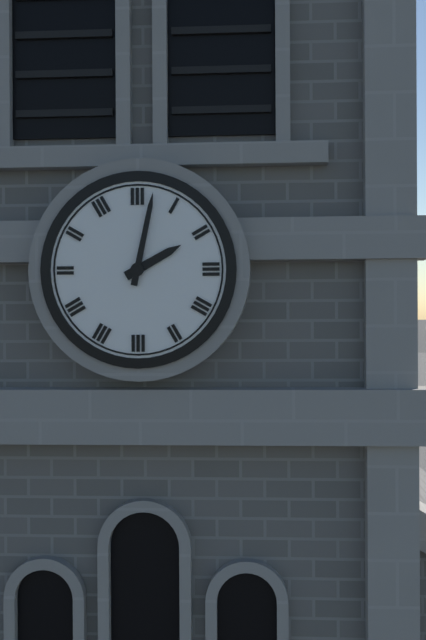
2:02
